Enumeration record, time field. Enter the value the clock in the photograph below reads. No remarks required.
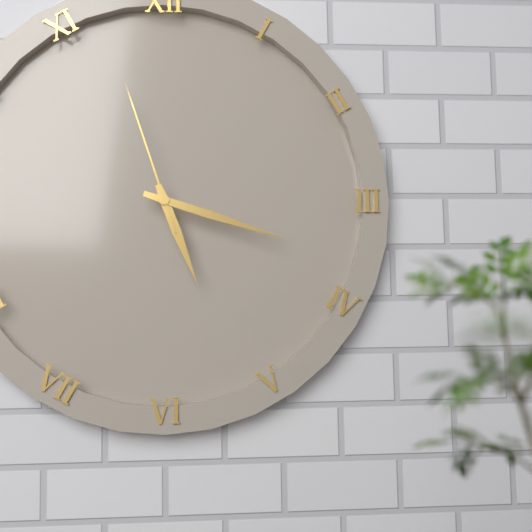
5:18:57
